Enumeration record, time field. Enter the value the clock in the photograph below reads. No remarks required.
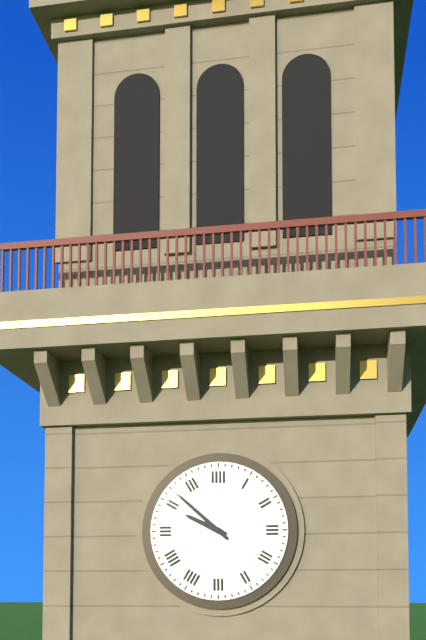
9:52
